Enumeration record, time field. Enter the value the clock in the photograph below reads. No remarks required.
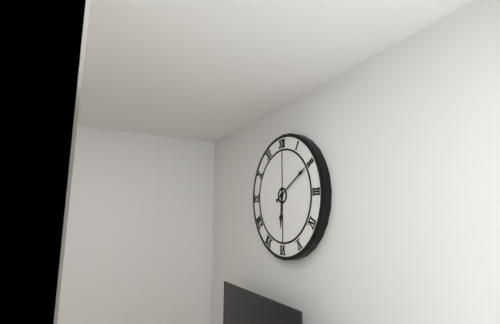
6:10
